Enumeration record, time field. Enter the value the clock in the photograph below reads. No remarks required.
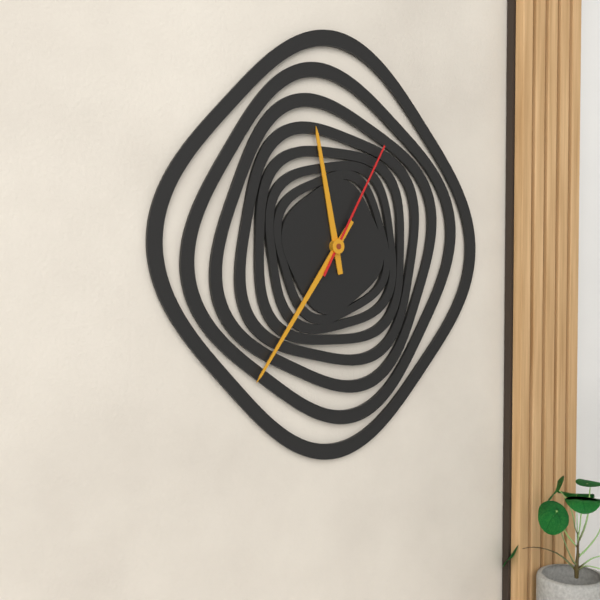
11:36:05
